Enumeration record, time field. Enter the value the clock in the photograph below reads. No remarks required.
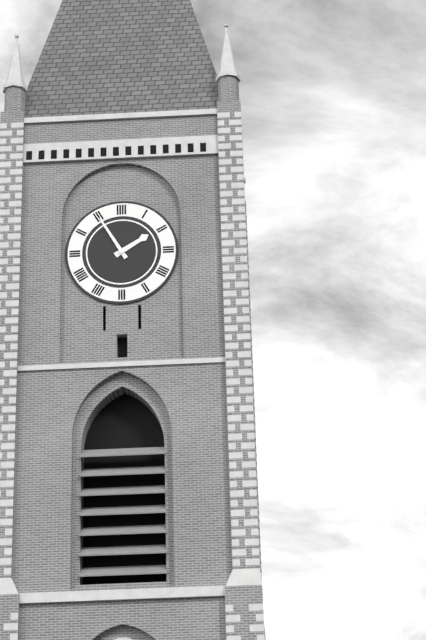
1:55
